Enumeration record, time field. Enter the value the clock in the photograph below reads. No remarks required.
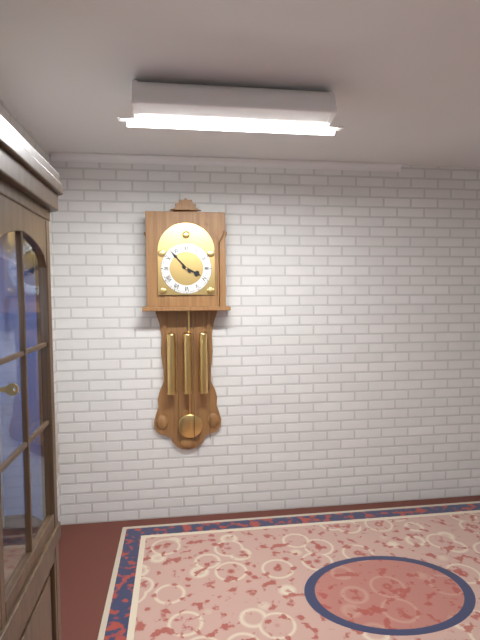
3:53
